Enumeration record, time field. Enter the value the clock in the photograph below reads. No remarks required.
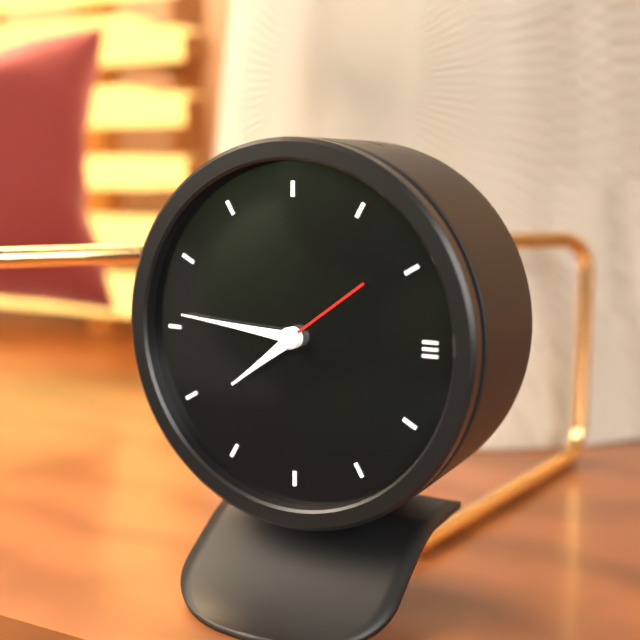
7:46:09
